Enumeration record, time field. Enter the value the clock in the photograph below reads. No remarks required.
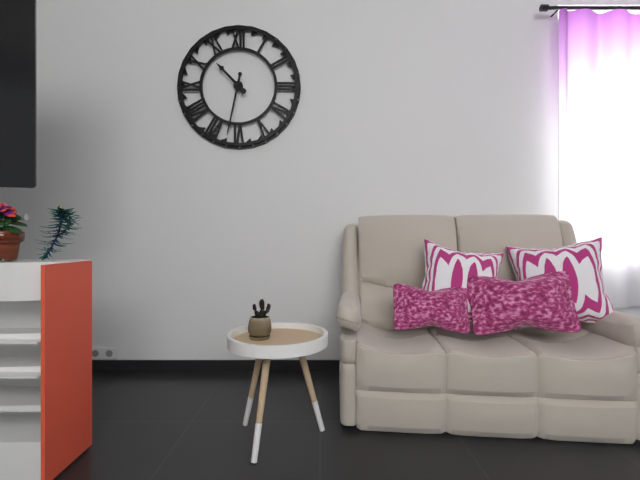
10:32
